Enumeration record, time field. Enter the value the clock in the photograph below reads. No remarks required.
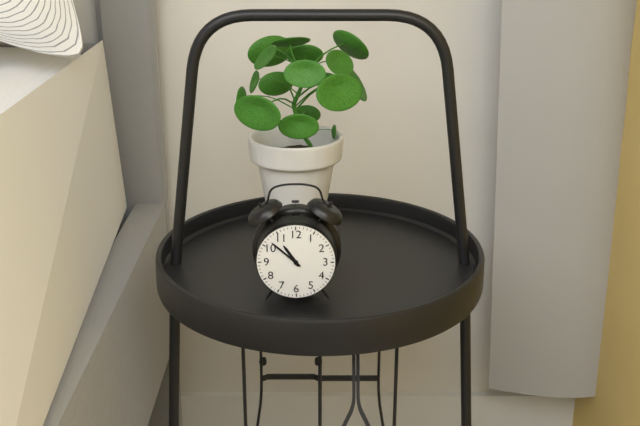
10:52
